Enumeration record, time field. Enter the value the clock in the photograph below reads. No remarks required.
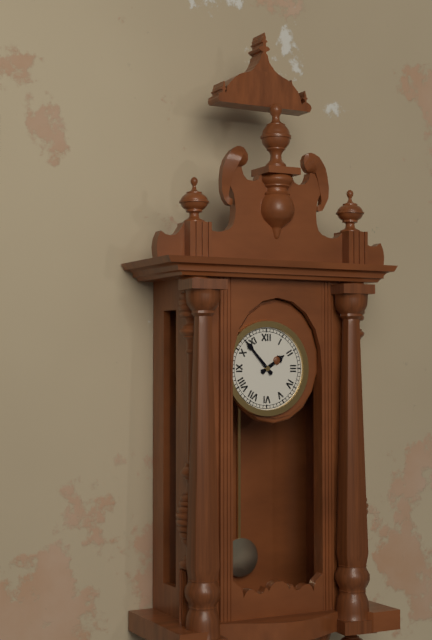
1:53
